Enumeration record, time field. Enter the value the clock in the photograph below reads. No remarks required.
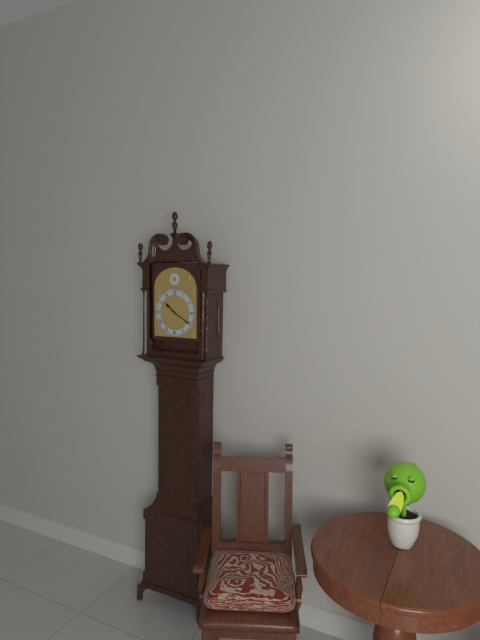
10:20
